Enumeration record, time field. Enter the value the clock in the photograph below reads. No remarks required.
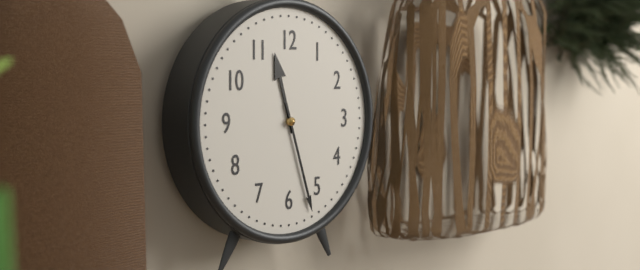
11:27
